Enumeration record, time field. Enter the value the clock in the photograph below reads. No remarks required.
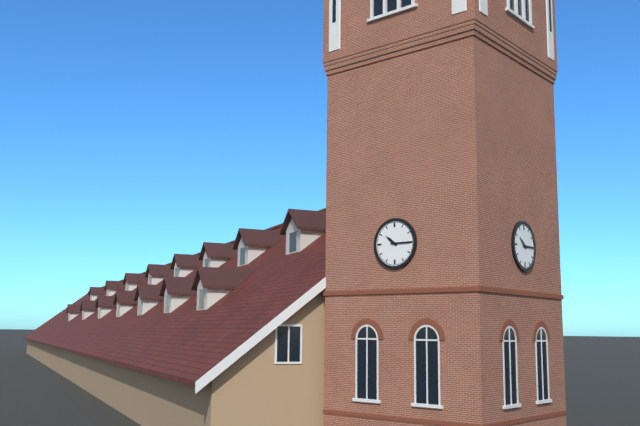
10:15
